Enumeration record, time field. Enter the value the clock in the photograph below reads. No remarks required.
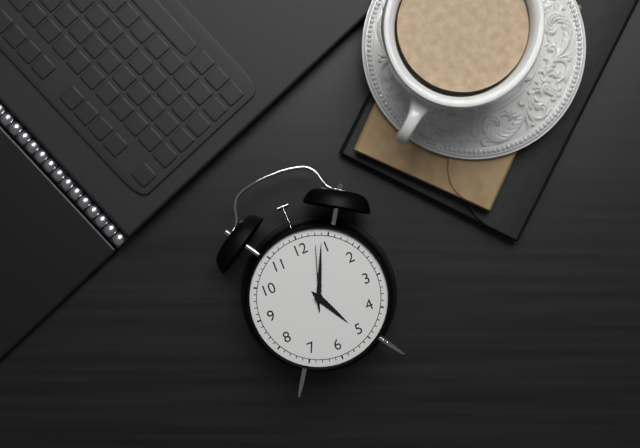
5:04:03
